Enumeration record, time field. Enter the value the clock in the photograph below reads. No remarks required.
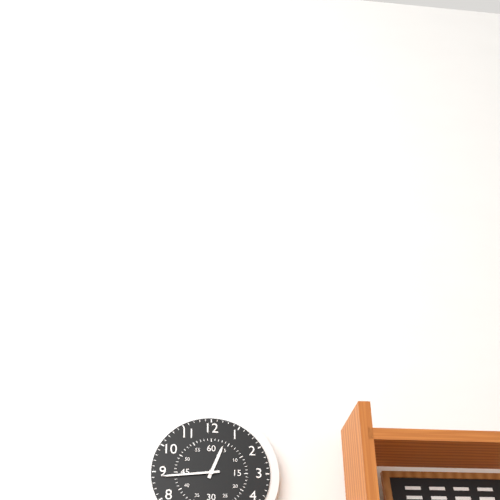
12:44
